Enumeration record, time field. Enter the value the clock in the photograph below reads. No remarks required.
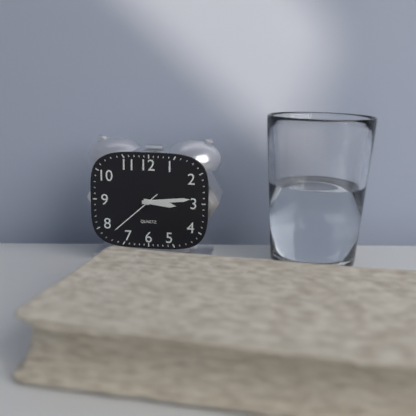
3:14:38
